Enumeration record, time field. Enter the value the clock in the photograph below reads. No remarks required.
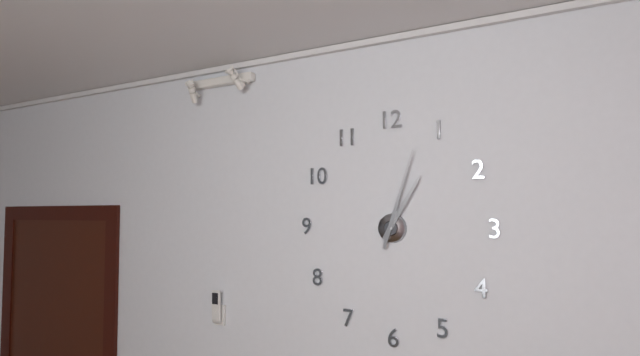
1:03
